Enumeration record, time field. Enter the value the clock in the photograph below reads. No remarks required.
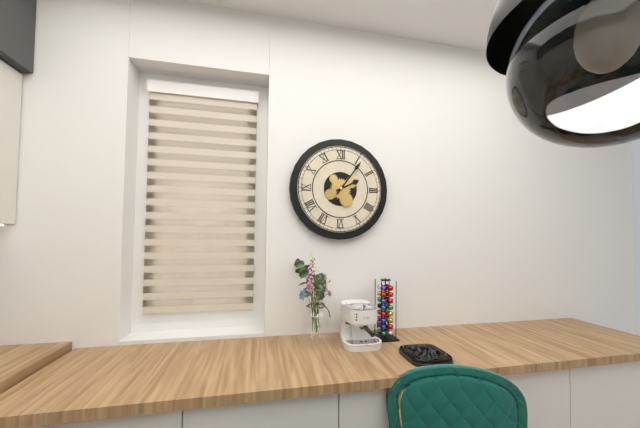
2:06
